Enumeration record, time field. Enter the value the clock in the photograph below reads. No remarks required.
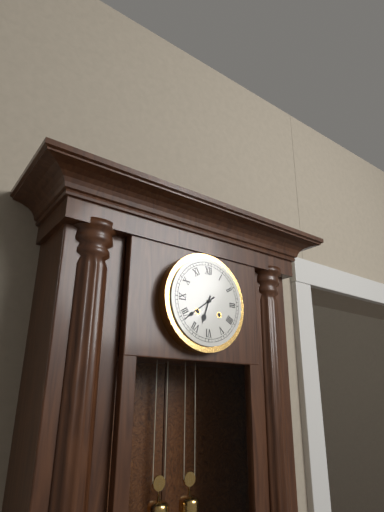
6:39
